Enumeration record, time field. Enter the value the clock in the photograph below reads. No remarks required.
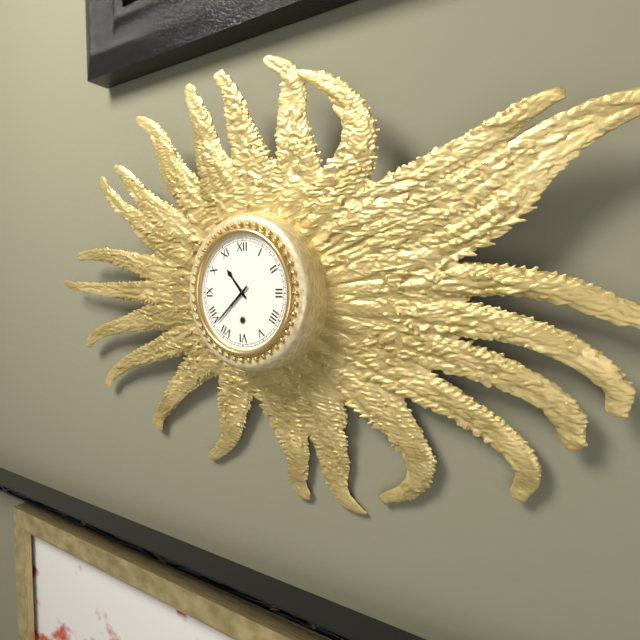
10:38
